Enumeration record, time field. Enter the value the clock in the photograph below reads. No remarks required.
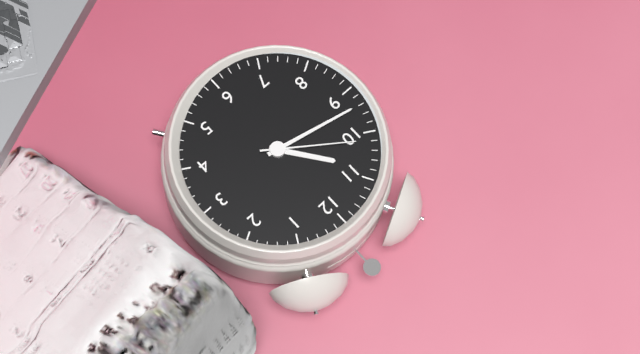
10:47:51
